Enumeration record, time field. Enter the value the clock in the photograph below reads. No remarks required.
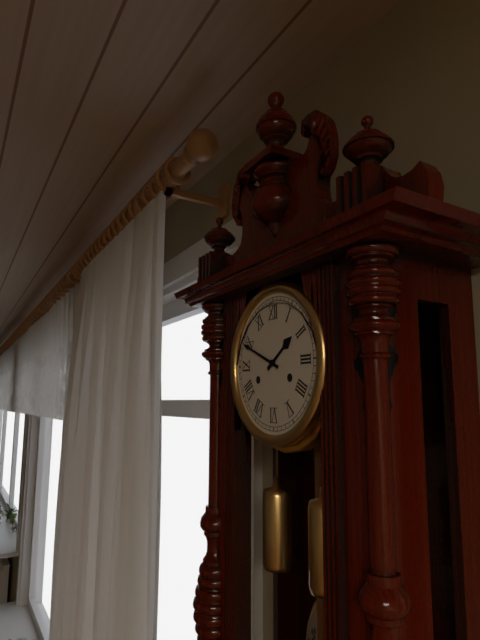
1:49
